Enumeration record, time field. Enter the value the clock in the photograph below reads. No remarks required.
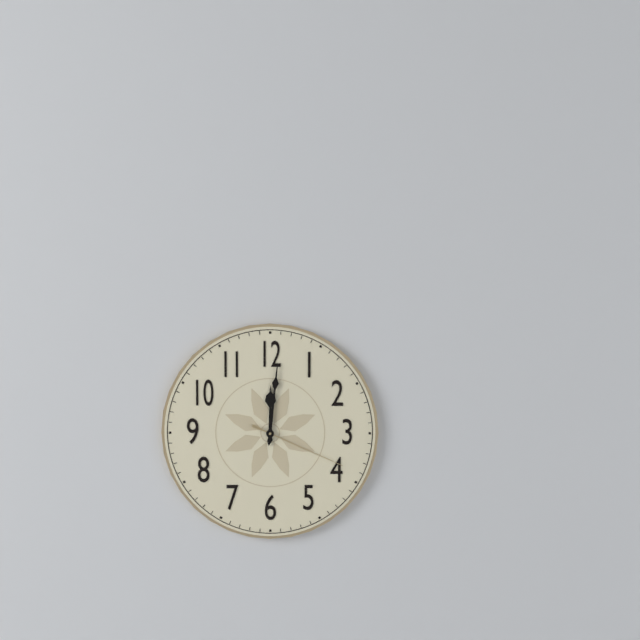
12:01:19
